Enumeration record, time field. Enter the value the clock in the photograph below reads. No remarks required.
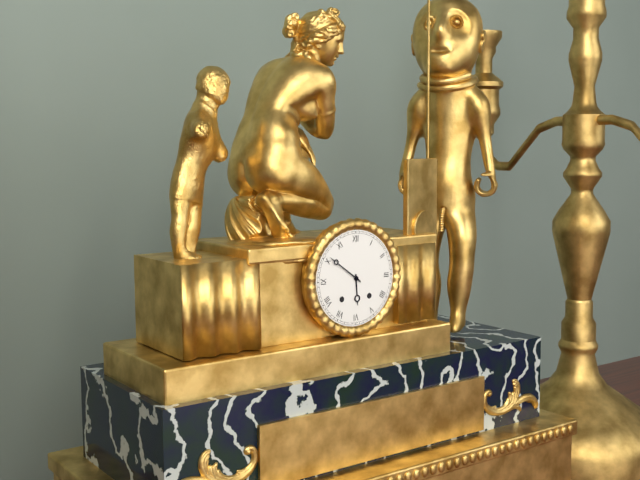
5:51
